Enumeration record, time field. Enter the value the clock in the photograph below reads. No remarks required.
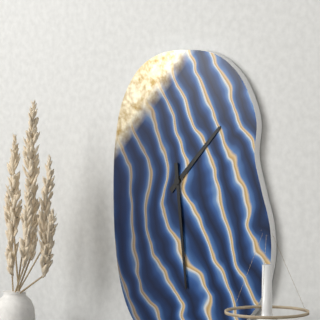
1:29
